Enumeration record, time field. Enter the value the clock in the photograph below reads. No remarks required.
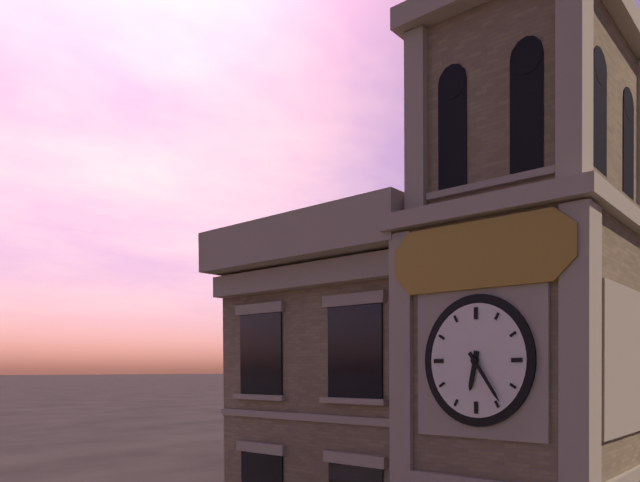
6:24
